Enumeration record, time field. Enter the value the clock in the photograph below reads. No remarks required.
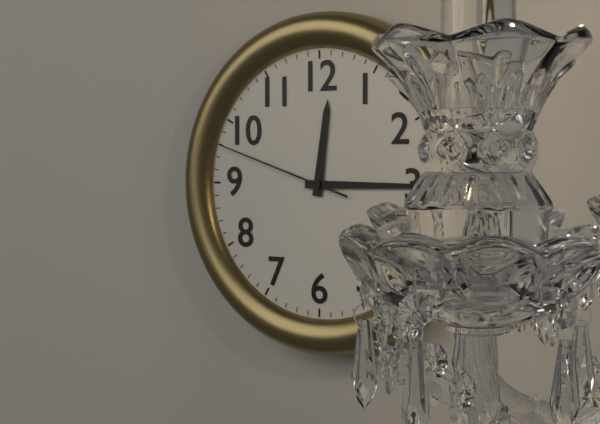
12:15:48
